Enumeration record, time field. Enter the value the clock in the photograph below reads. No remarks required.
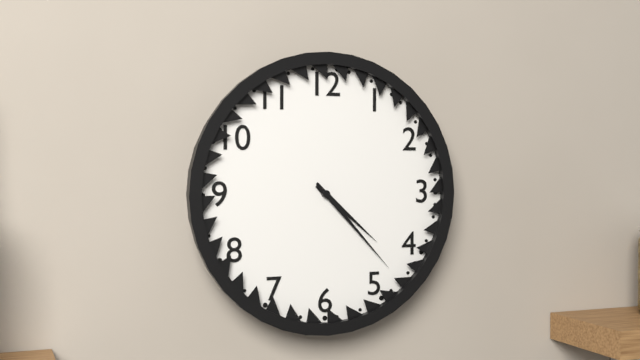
4:23
